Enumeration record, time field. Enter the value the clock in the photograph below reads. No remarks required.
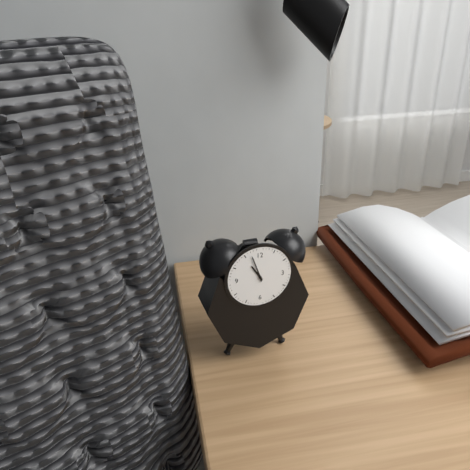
10:57
